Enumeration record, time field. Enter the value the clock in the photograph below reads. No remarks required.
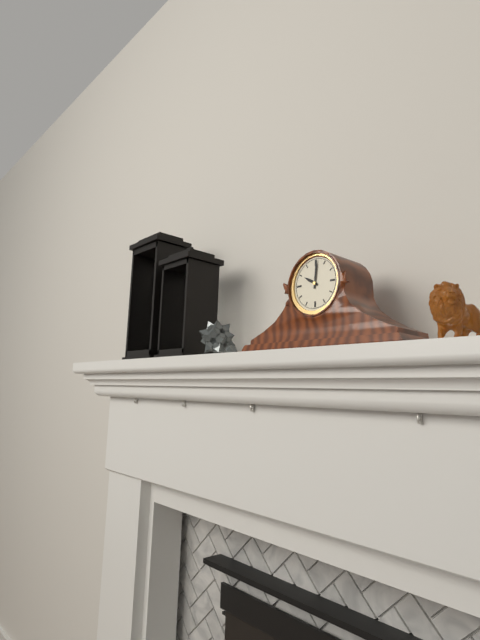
10:01
